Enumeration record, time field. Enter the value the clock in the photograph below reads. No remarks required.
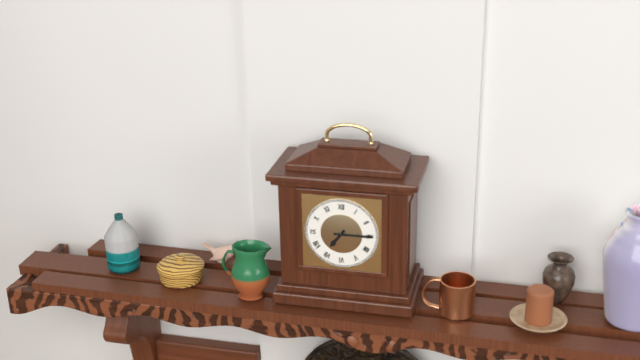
7:15
